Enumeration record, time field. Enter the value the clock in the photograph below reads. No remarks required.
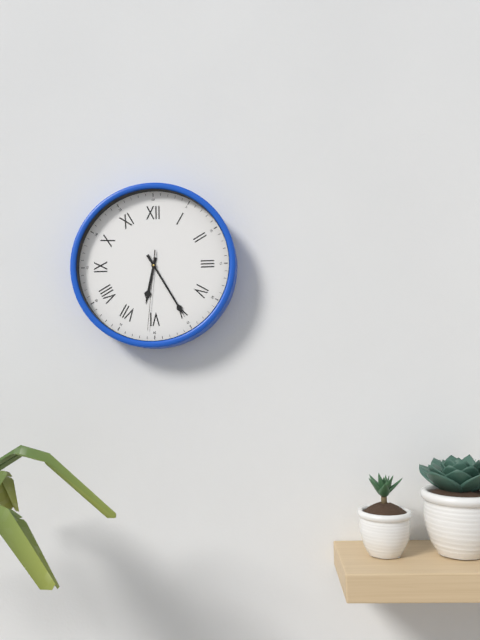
6:25:31
